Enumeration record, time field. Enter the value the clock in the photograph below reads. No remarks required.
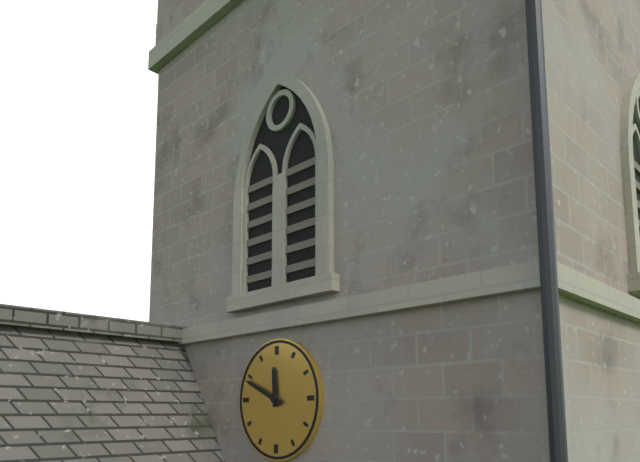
11:49
